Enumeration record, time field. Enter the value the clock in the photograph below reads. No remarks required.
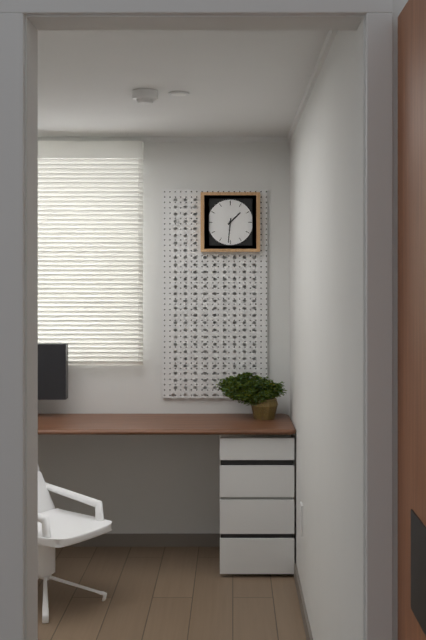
1:31
